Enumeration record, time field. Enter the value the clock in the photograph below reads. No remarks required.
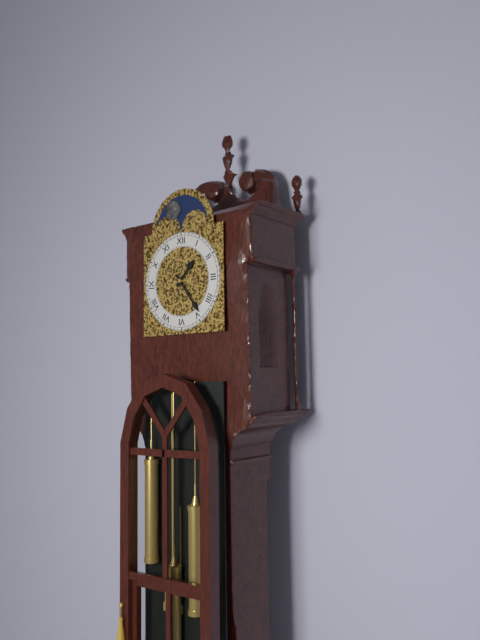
1:24
